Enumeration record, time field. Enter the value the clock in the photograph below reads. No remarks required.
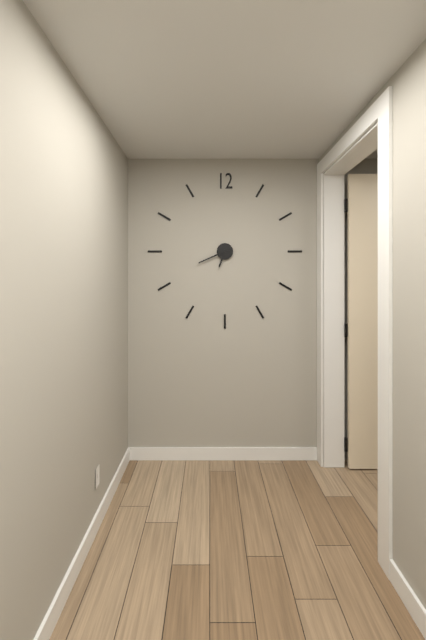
6:41
